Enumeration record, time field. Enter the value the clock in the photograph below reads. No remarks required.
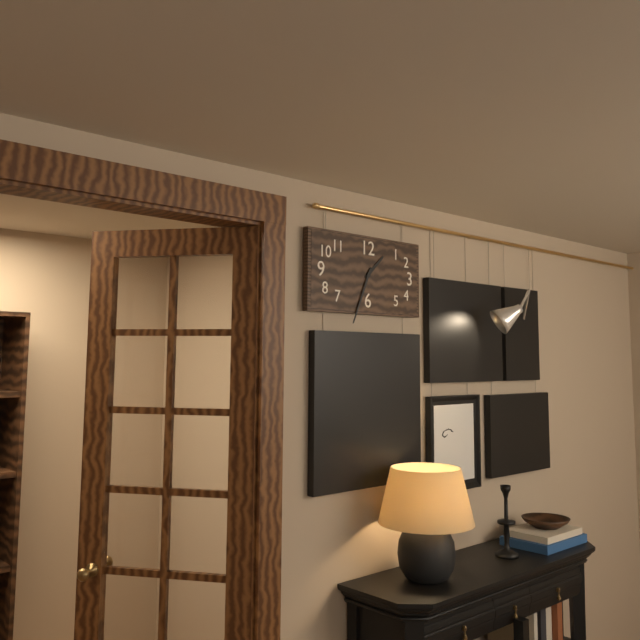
1:34
